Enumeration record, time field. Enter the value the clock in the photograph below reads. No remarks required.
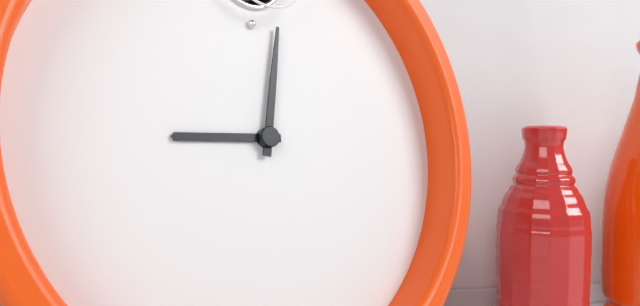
9:02
